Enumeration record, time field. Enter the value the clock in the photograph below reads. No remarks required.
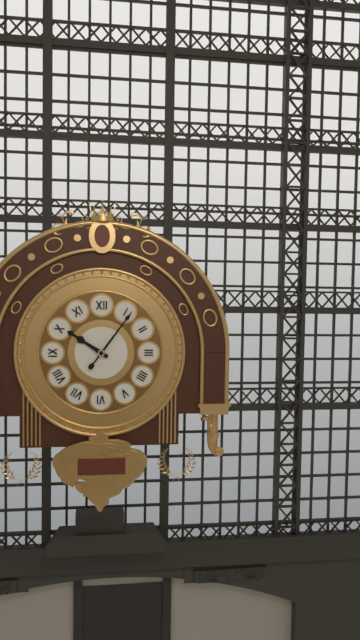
10:06
